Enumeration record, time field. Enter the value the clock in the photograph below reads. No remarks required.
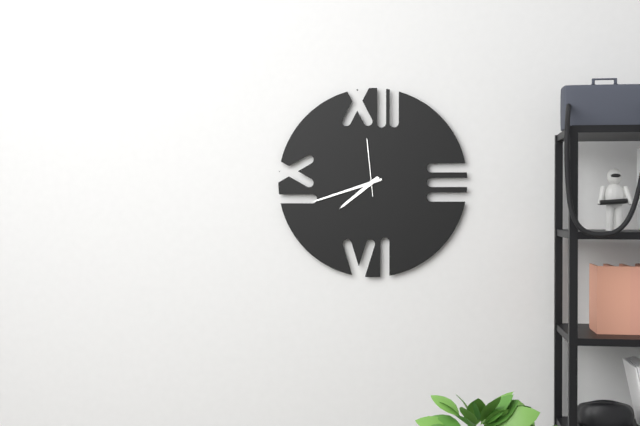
7:42:59
